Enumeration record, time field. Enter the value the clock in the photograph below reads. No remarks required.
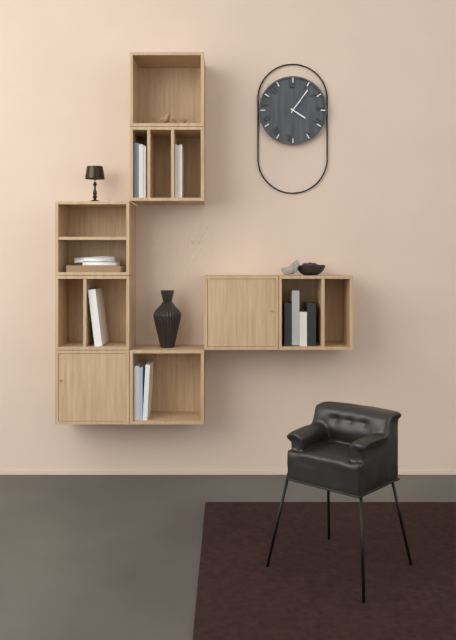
4:06
